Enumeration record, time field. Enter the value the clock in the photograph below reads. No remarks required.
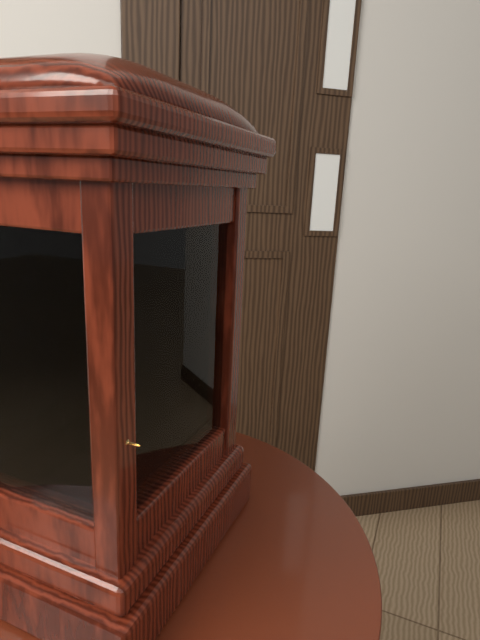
5:41
